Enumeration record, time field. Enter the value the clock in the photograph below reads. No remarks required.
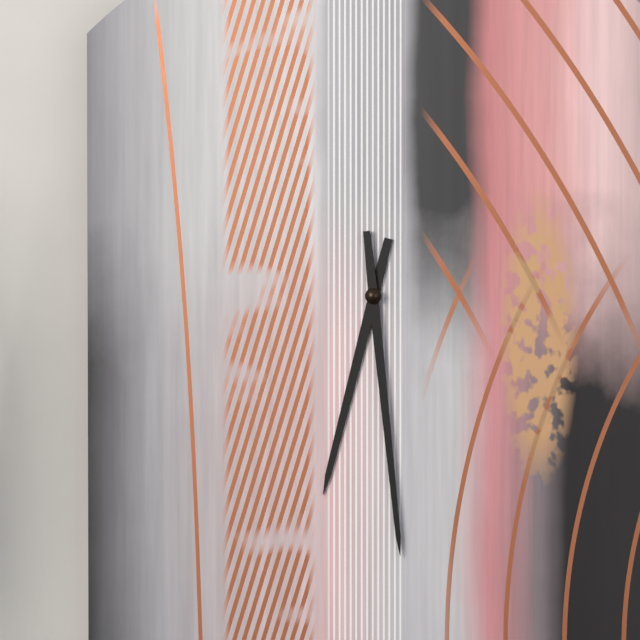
6:29
